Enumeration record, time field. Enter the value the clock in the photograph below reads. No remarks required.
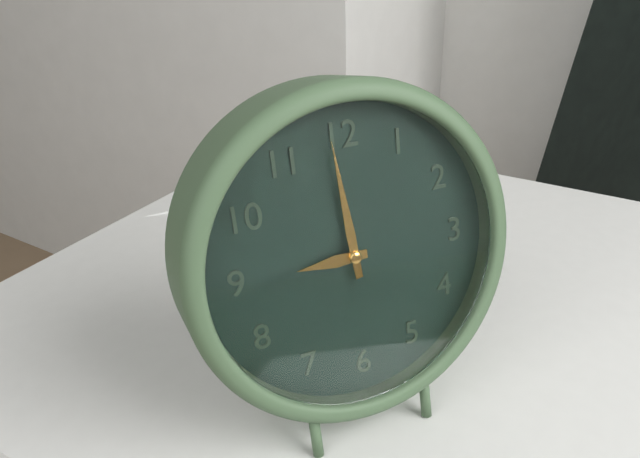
8:59
